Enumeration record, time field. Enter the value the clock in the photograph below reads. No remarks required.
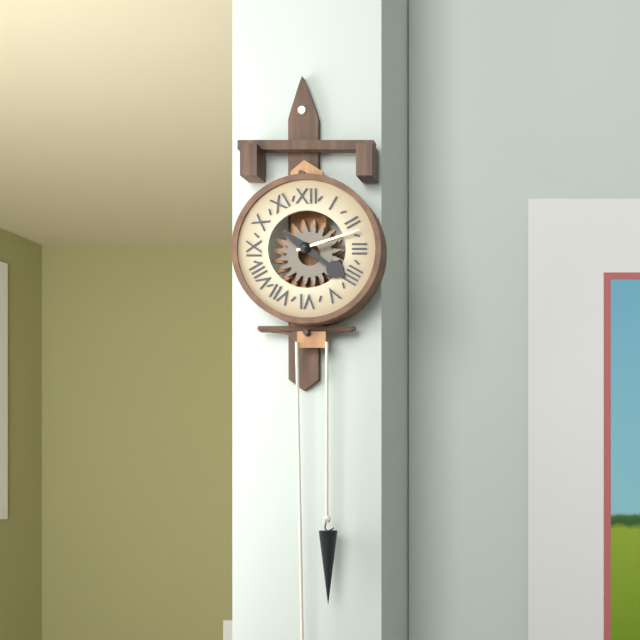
4:12
